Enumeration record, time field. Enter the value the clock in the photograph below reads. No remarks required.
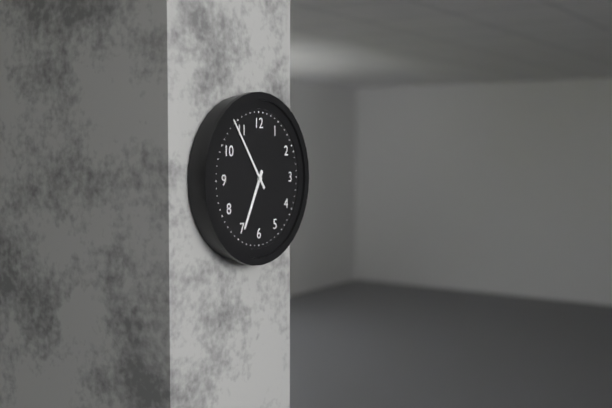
6:54
